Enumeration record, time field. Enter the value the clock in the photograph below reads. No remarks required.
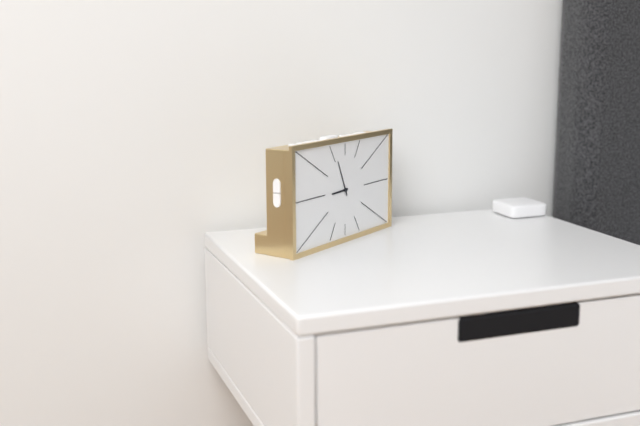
8:56
